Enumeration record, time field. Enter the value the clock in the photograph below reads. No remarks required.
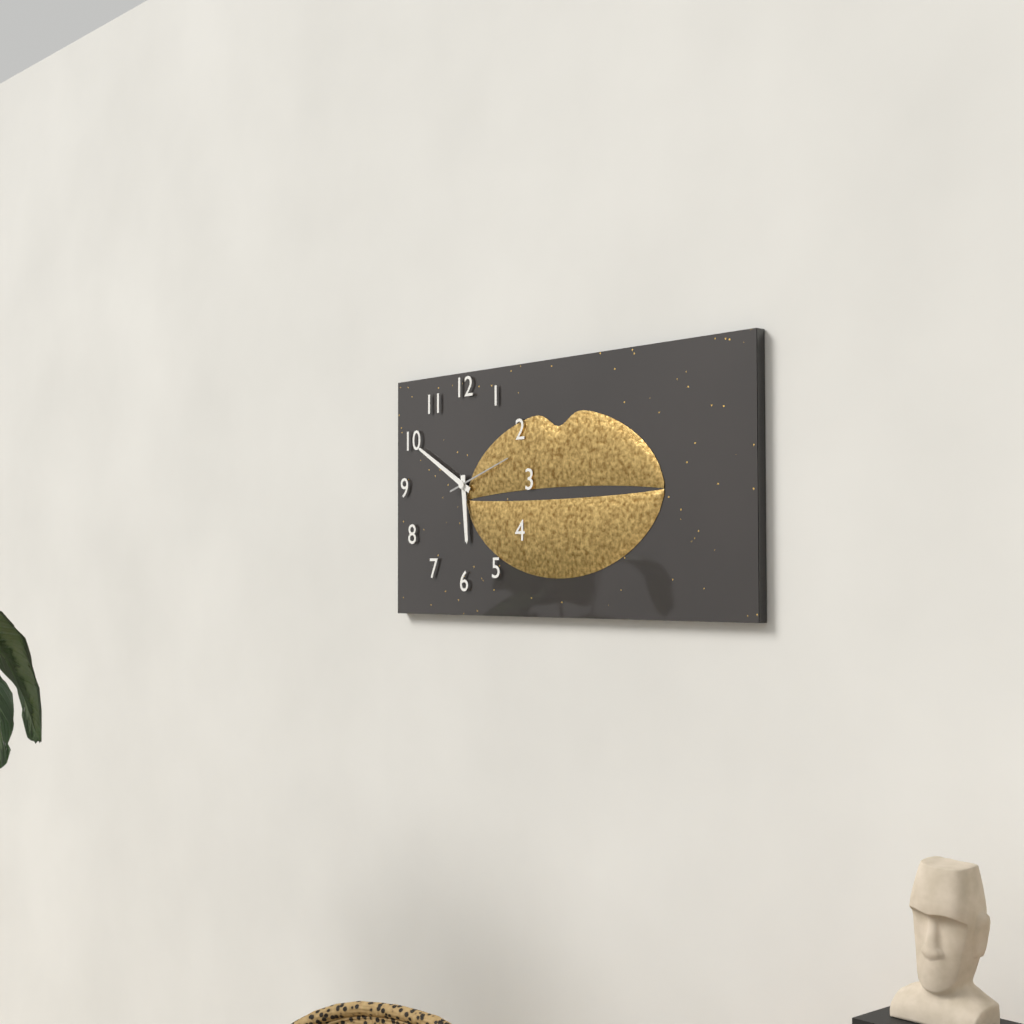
5:50:12
